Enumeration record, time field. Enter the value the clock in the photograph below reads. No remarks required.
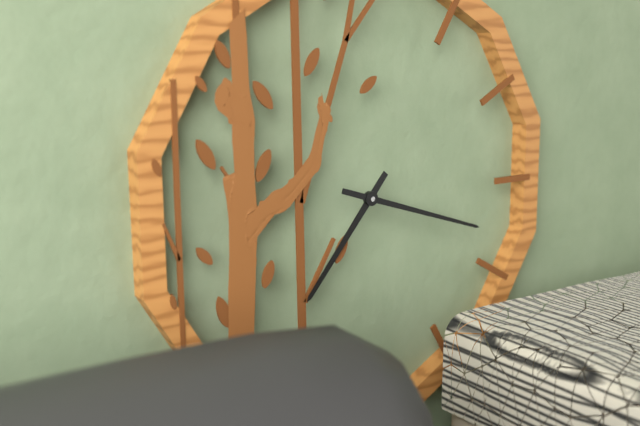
7:18
